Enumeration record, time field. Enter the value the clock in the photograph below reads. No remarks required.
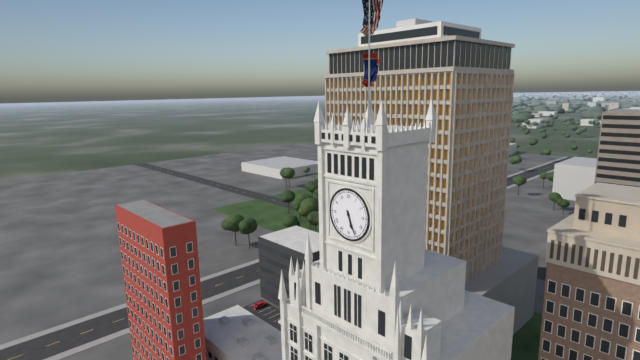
5:26
